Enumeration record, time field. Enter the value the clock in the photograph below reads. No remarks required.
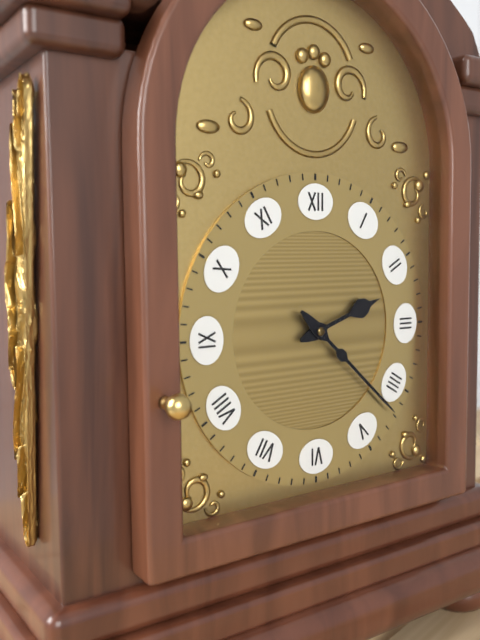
2:22
